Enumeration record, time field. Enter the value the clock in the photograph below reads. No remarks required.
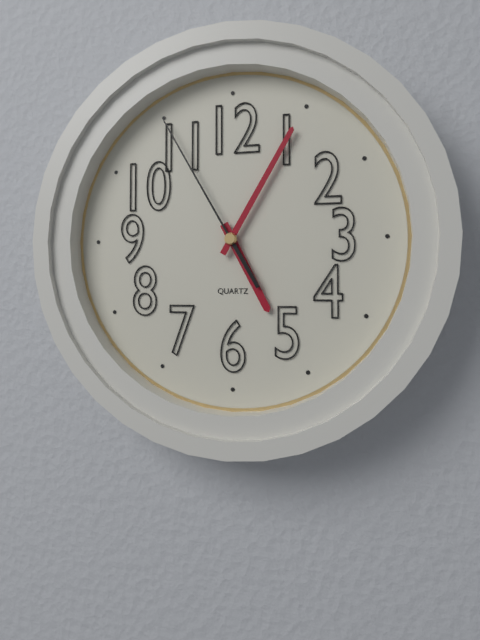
5:05:55
